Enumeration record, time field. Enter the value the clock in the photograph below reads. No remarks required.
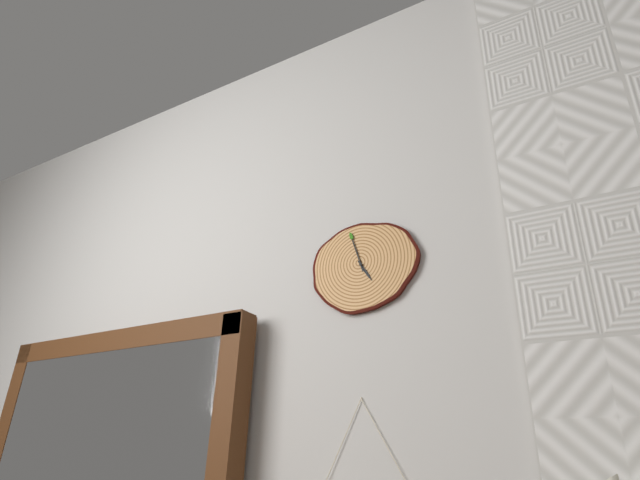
4:57
